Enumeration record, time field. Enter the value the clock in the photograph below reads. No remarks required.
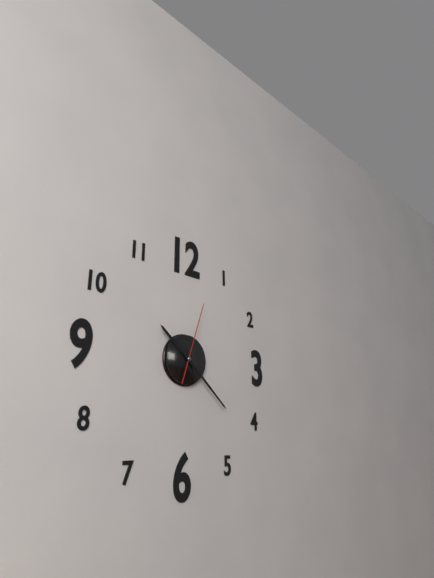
10:22:03
